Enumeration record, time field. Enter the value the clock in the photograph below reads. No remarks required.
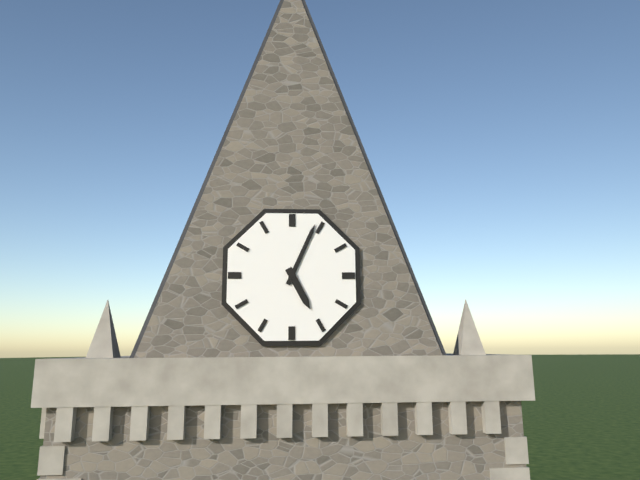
5:04
